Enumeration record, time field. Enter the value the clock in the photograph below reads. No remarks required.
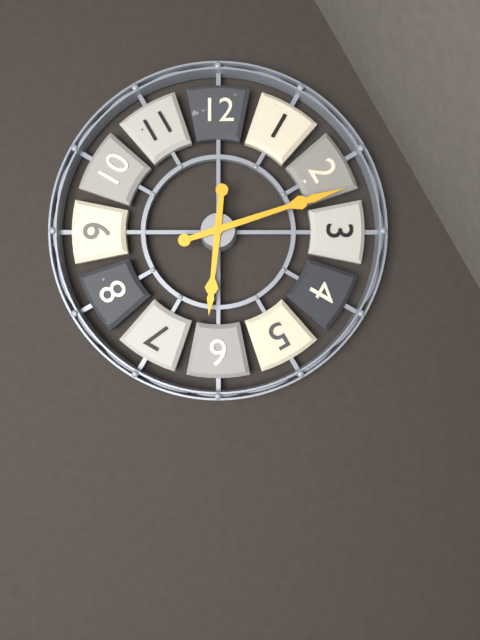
6:12
